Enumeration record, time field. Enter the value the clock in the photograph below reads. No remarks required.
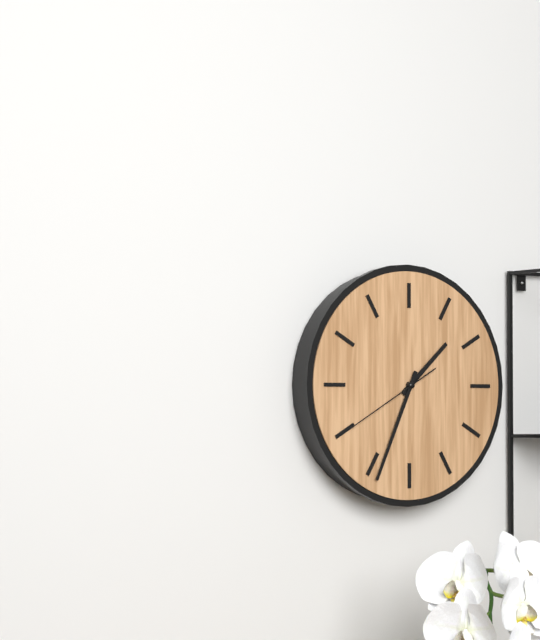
1:34:40
